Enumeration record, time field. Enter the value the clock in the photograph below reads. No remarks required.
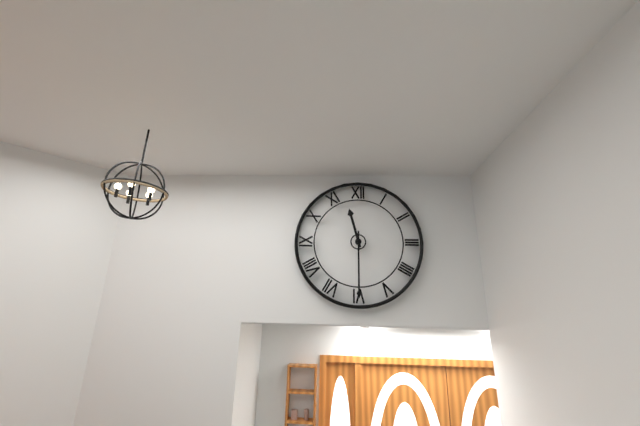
11:30
